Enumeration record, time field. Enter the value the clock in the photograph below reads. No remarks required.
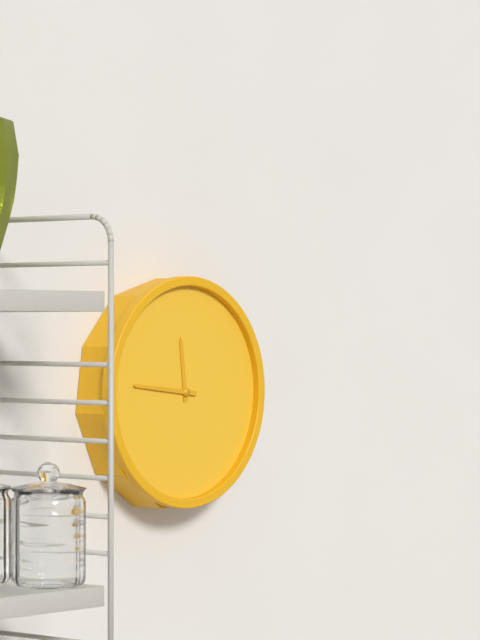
11:46
